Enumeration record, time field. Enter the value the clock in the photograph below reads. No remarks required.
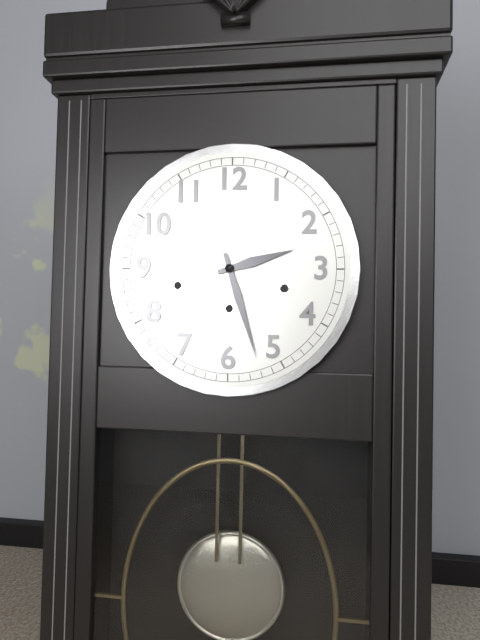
2:27
